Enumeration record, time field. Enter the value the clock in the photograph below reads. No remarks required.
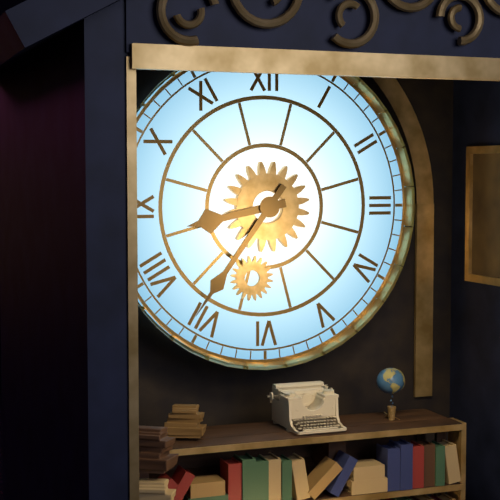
8:36
